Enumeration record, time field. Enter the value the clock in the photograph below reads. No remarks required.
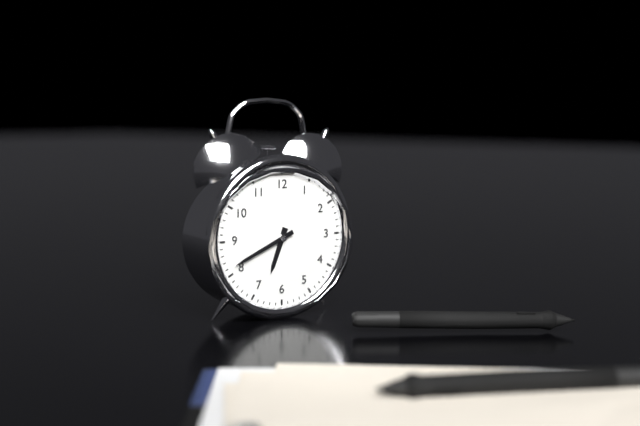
6:41
